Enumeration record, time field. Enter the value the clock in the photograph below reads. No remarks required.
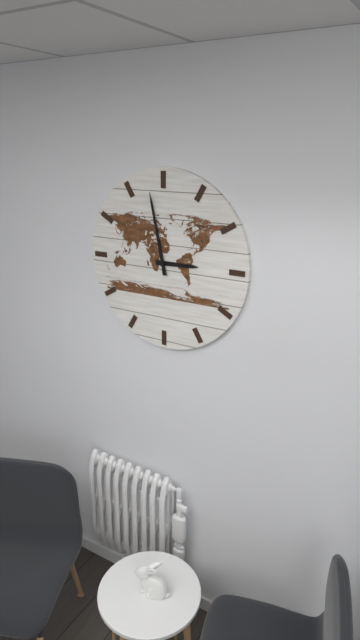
2:58
